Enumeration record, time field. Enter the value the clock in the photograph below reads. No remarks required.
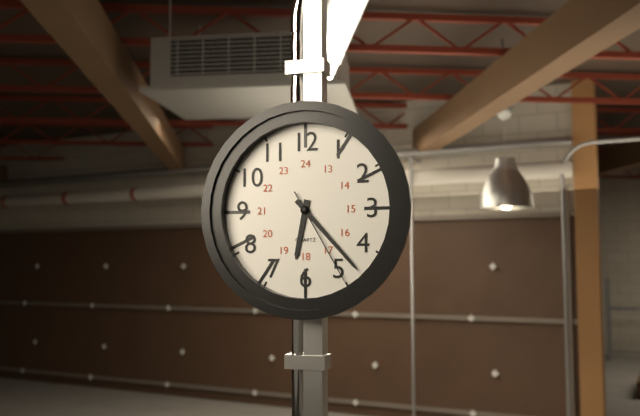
6:23:25
